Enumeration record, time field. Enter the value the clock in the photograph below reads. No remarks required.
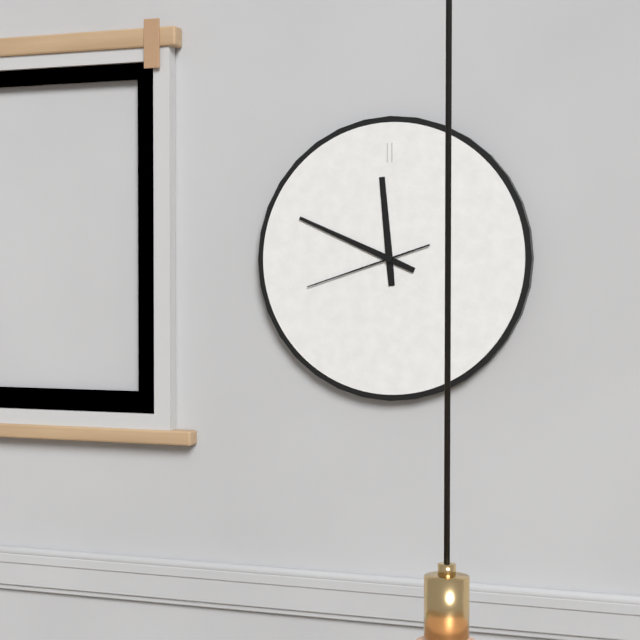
11:49:42
